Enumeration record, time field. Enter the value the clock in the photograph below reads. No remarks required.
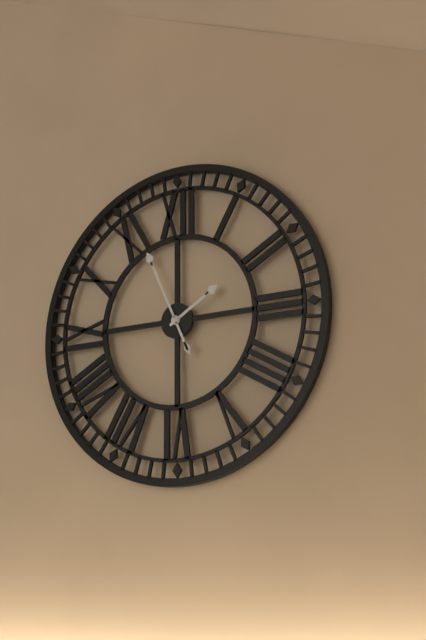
1:56
